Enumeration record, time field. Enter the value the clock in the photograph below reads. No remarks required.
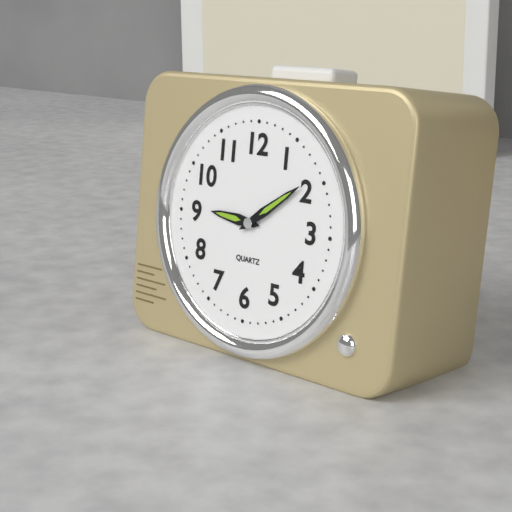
9:09
